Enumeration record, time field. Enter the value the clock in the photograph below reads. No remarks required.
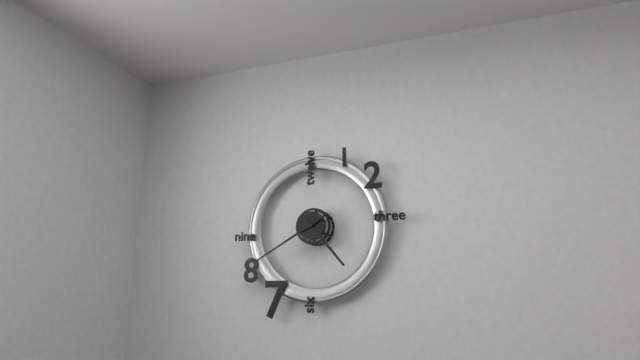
4:40
